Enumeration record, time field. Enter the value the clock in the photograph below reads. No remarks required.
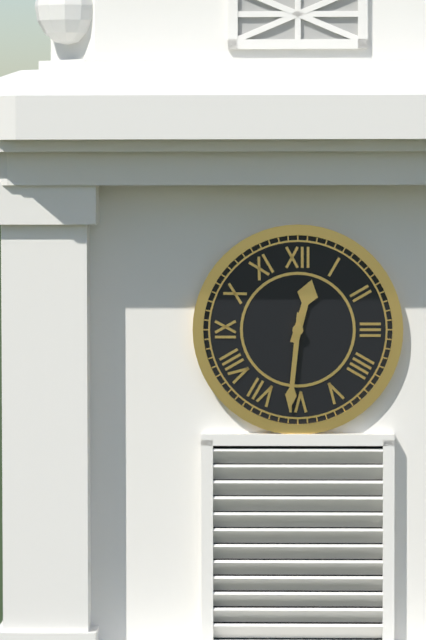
12:31
